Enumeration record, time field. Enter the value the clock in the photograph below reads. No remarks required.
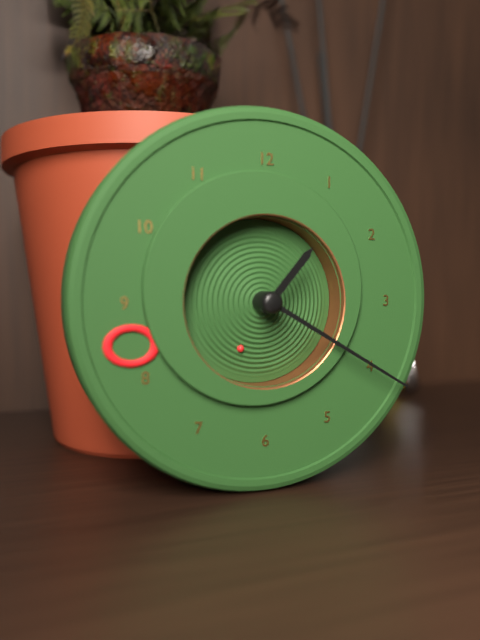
1:20:34
